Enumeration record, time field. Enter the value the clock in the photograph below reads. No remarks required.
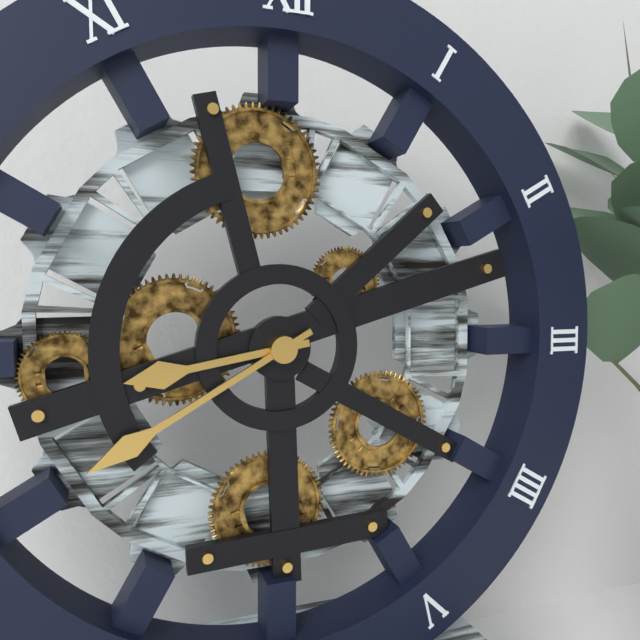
8:40
